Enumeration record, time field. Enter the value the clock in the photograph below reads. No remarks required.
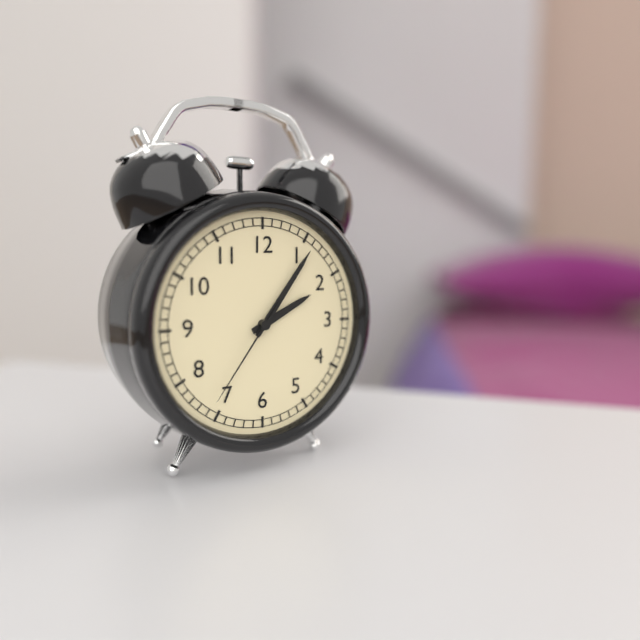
2:06:36
